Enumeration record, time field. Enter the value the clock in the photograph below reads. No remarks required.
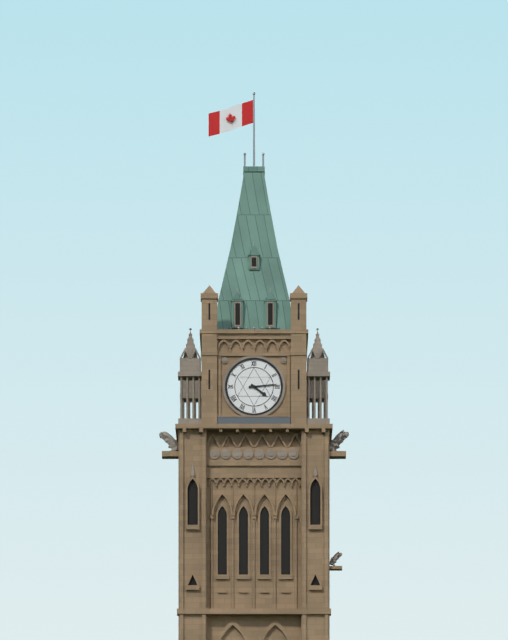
4:14
